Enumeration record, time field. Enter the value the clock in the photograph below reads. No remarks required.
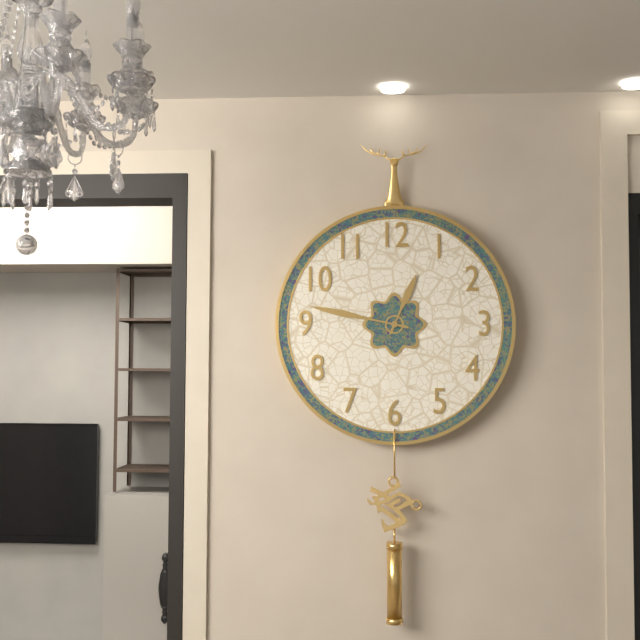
12:47
